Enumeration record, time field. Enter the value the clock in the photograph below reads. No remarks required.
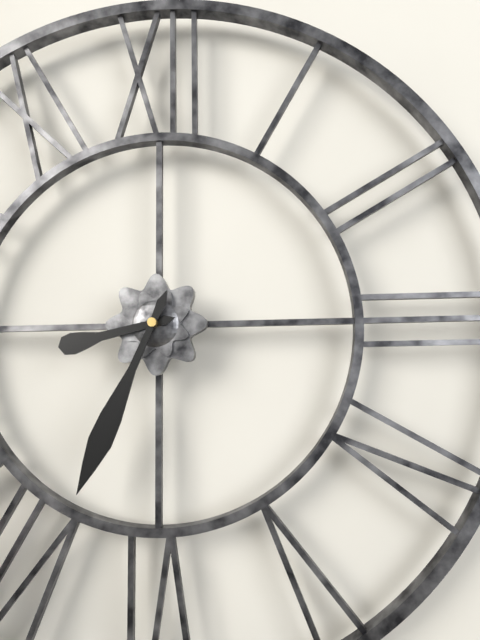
8:34
